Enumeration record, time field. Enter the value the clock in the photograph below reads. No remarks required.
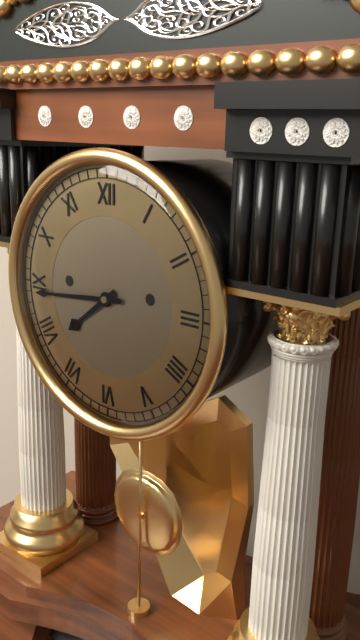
7:44
